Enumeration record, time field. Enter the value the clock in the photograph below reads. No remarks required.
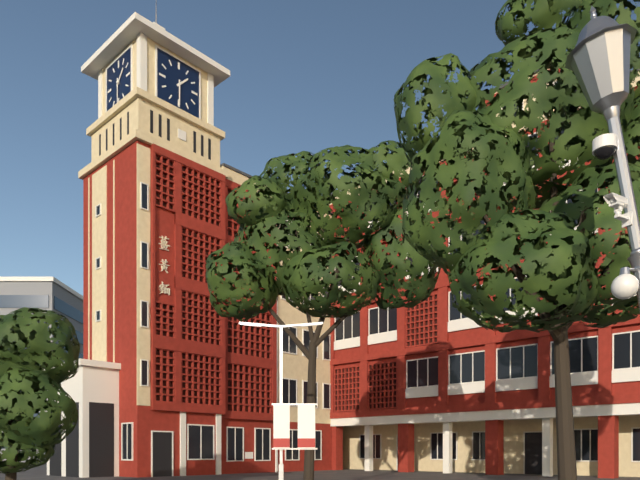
1:30
